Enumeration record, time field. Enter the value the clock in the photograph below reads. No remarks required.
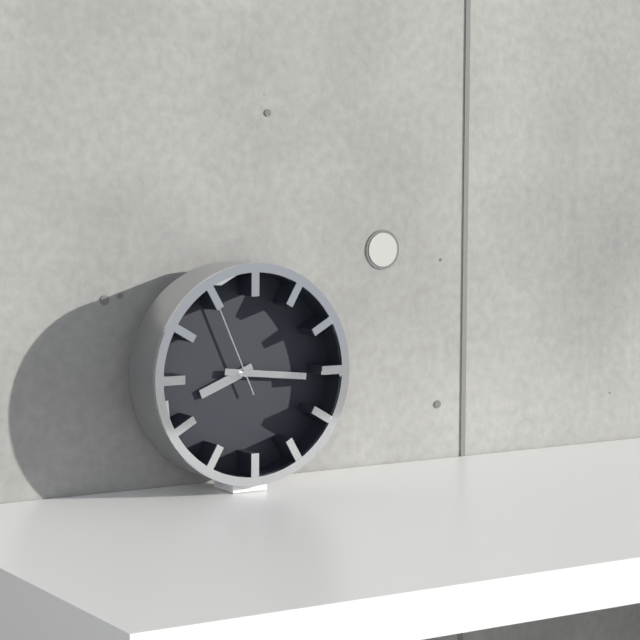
8:16:56
